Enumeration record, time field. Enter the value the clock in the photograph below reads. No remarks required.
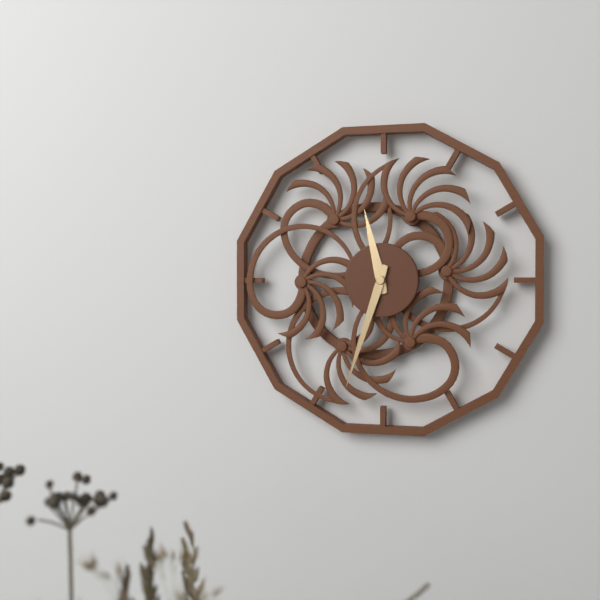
11:33
